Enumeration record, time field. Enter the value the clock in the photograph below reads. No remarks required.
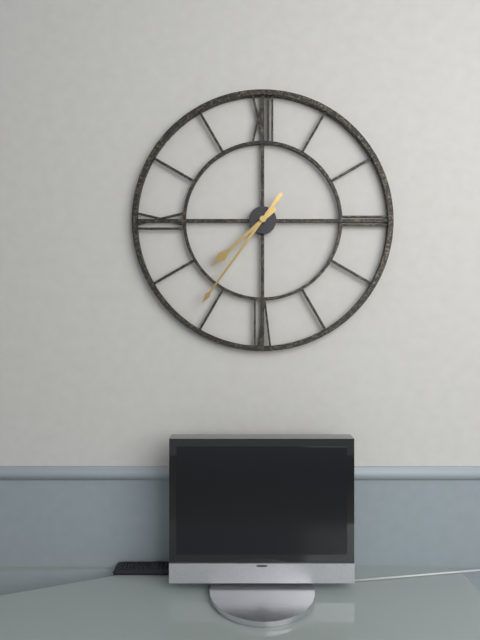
7:36
